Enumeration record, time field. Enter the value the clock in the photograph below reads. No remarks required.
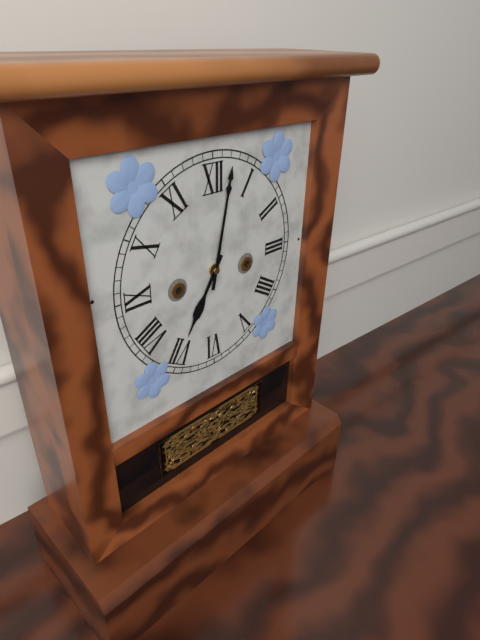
7:02
